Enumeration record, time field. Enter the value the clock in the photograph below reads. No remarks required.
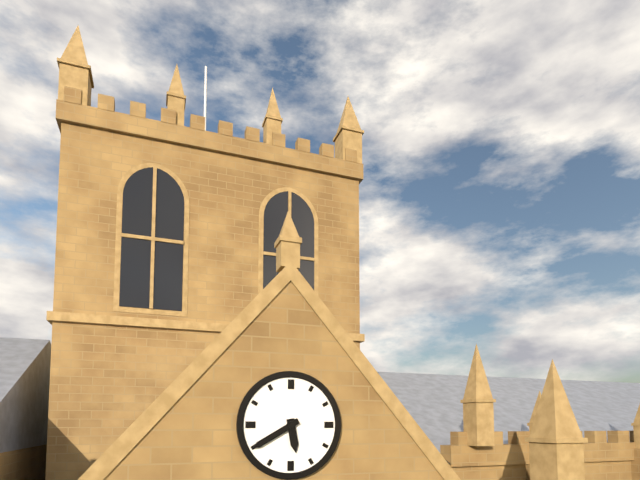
5:40
